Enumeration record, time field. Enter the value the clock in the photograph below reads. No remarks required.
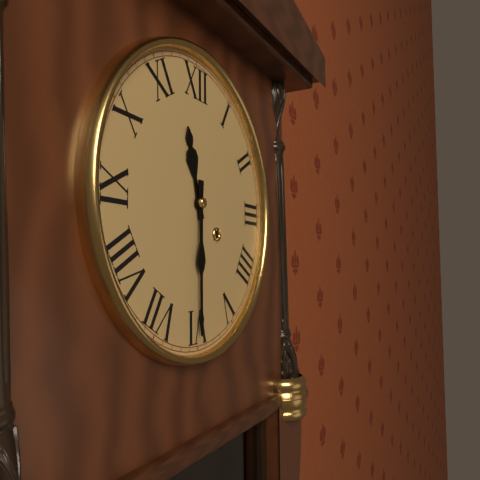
11:30
